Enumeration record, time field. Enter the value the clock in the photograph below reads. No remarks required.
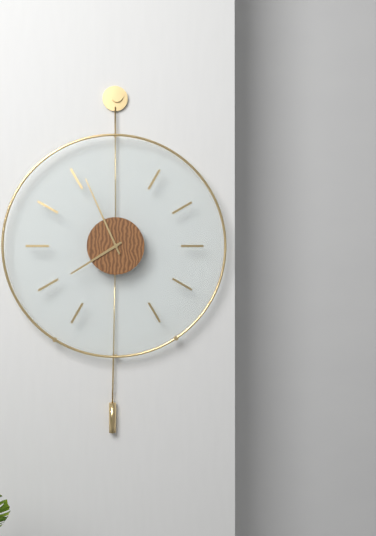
7:56
